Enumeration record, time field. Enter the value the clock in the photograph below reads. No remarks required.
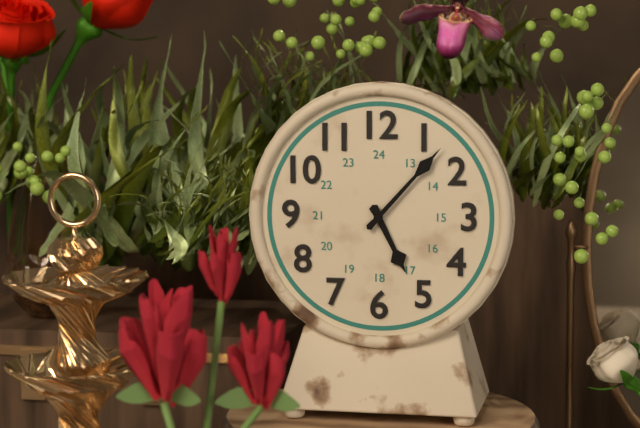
5:07
